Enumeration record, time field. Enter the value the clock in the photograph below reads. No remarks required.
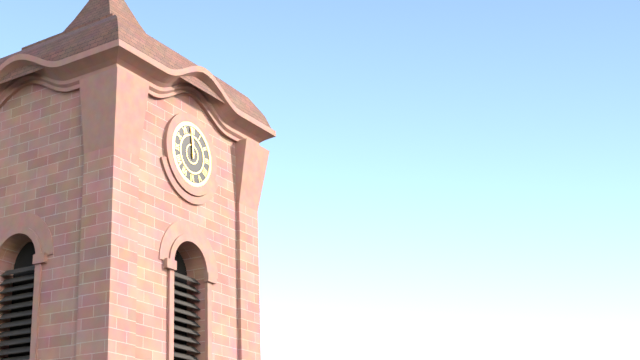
11:59
